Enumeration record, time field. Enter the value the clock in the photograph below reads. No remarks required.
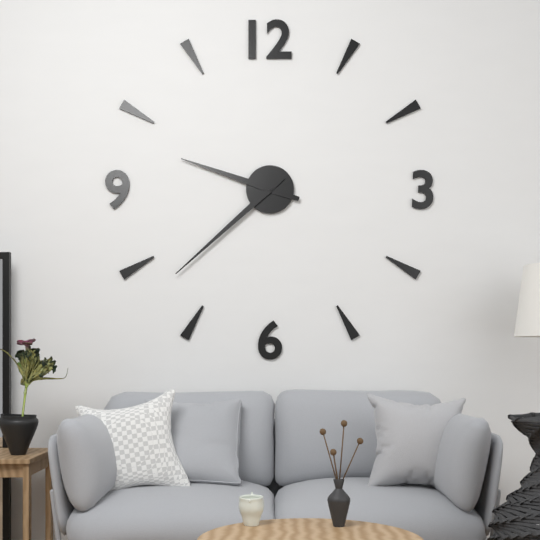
9:38
